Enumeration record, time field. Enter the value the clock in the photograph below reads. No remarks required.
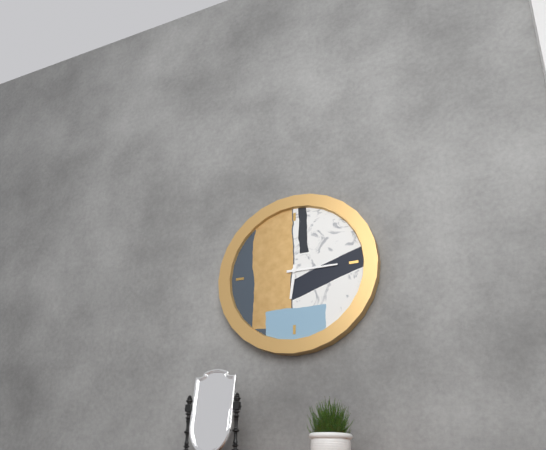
6:15
